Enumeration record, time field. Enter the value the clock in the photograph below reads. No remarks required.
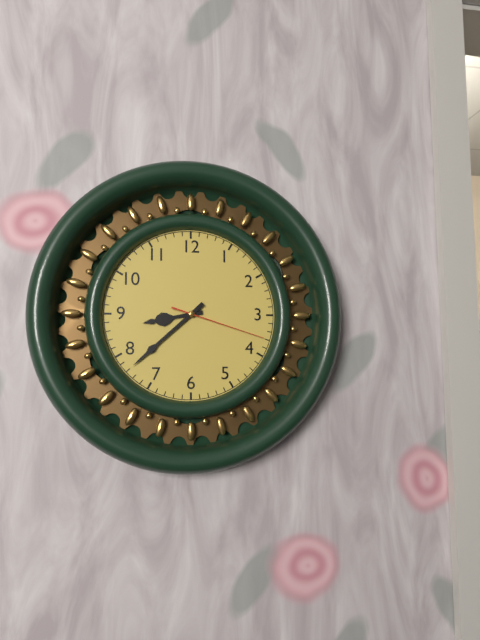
8:38:18
